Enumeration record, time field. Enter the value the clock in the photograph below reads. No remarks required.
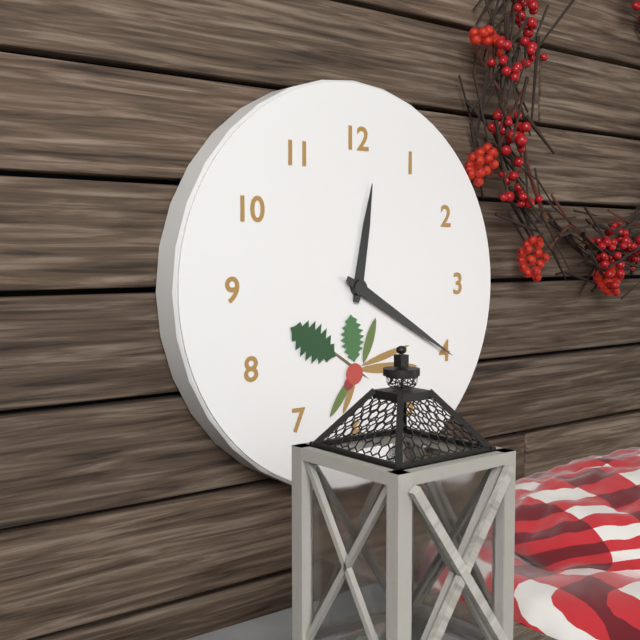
12:20
